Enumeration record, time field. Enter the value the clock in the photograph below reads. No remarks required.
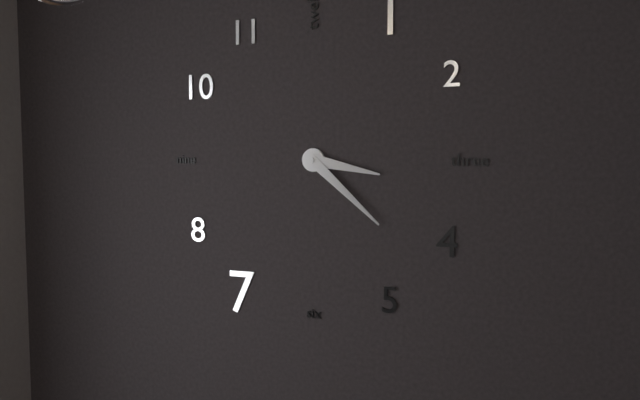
3:22
